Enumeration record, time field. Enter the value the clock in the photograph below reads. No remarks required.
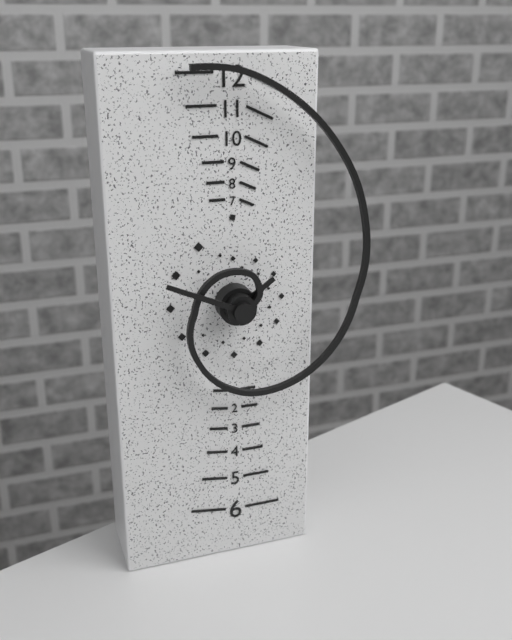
1:49
